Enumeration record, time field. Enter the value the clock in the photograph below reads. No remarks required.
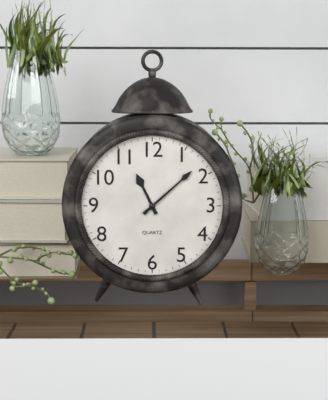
11:08
